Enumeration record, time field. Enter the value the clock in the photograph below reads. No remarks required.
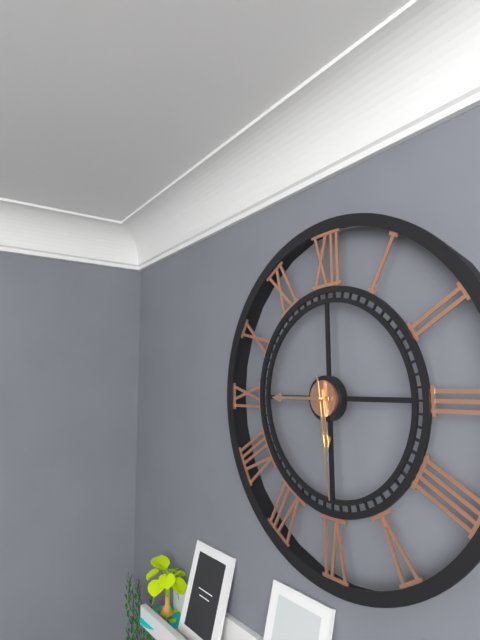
5:45:29
